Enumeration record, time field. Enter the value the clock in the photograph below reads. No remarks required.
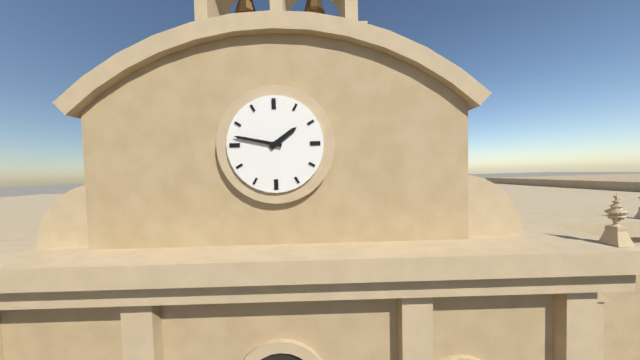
1:47
